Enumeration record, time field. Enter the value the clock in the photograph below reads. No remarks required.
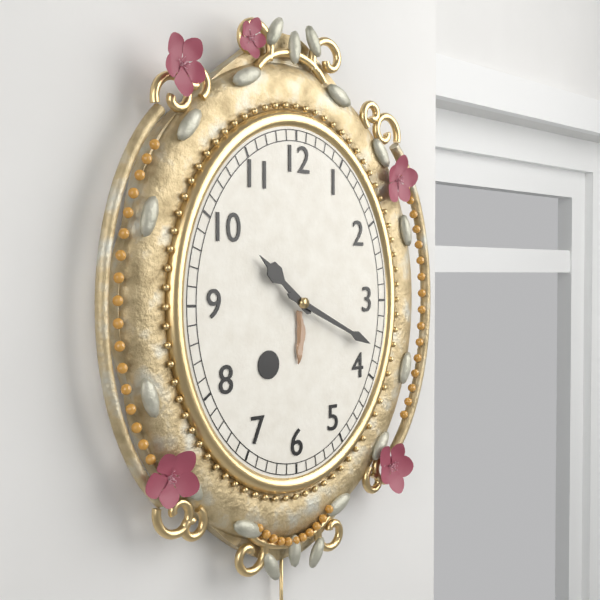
10:19
